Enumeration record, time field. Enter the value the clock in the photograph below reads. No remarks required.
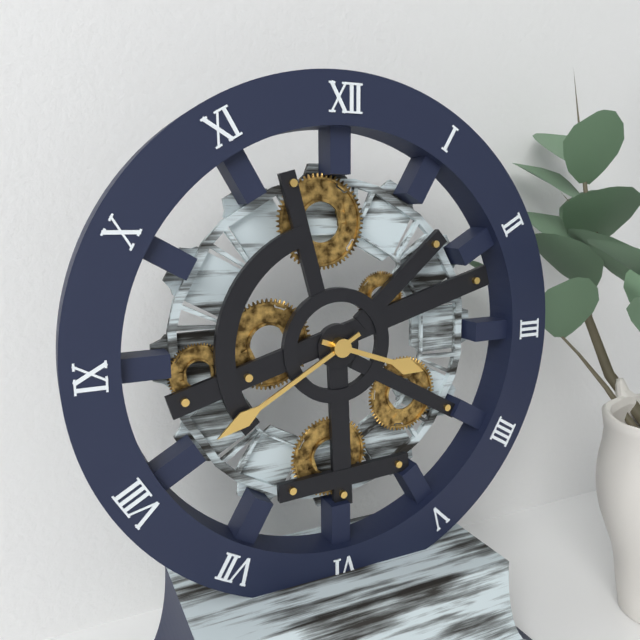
3:40
